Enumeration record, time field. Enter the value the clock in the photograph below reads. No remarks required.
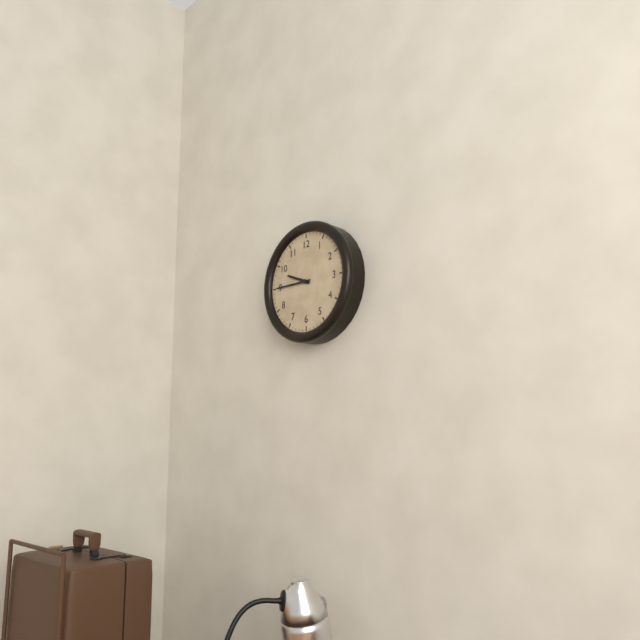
9:45
